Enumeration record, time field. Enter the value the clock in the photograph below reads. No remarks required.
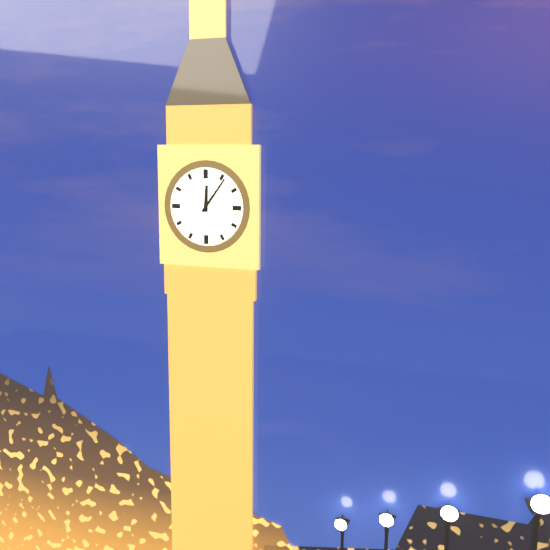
12:06
